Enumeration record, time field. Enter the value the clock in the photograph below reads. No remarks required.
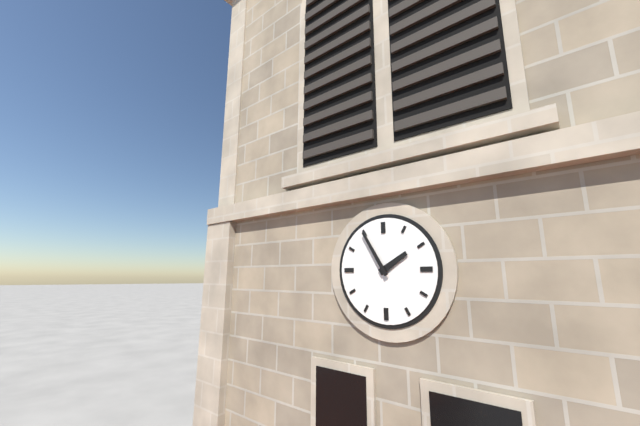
1:55
